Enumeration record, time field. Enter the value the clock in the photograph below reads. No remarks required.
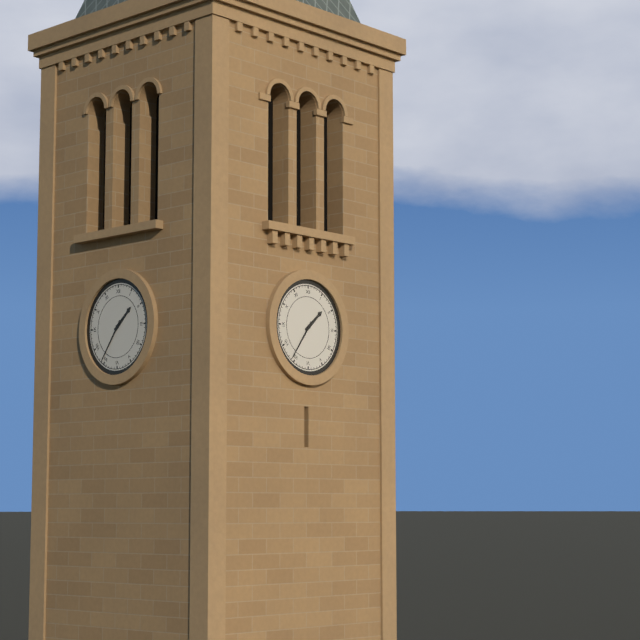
1:36
